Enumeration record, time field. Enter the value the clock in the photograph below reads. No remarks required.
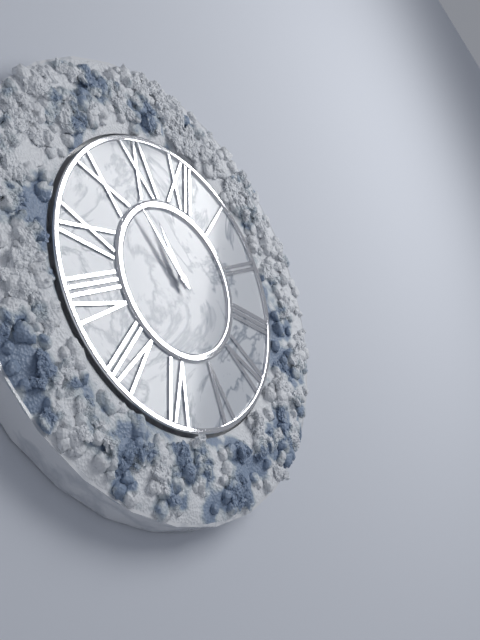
10:52
